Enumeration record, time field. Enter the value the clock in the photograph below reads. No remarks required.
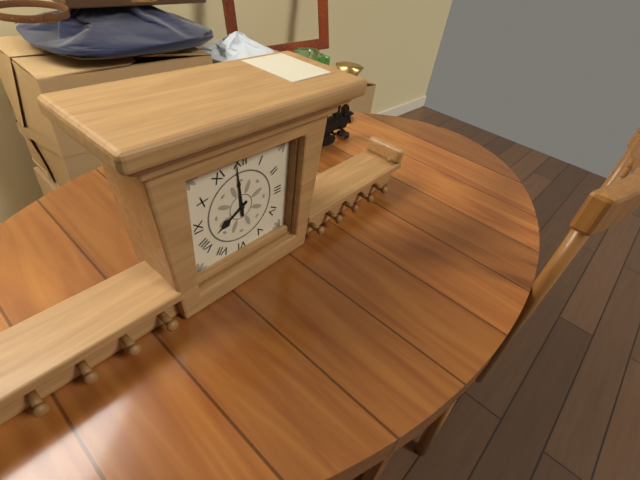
7:59
